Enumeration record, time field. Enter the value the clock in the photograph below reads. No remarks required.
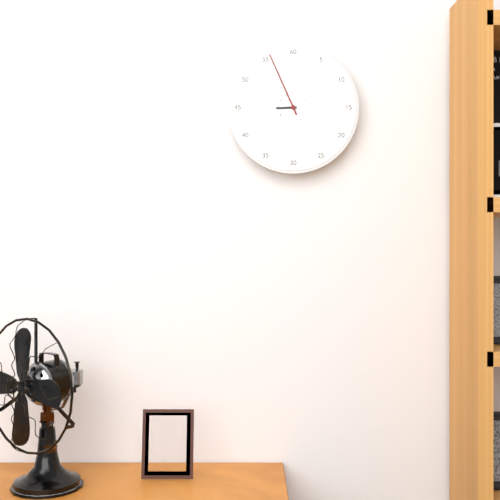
8:56
